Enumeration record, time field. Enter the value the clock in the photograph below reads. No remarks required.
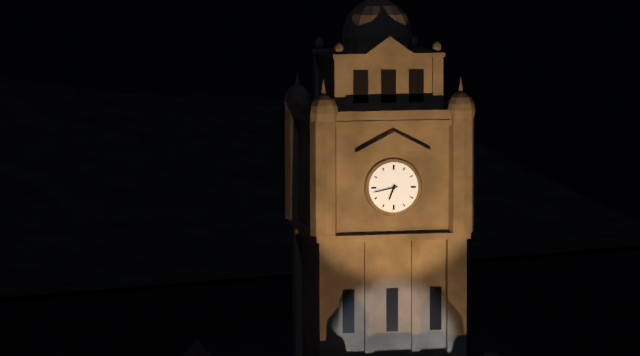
6:43
